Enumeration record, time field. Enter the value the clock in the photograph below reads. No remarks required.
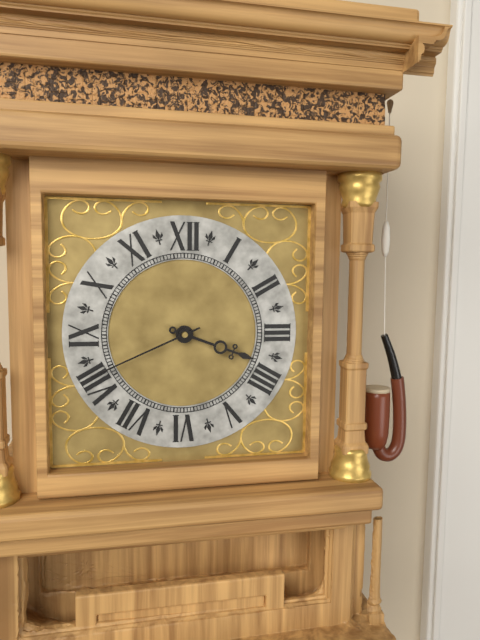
3:41
